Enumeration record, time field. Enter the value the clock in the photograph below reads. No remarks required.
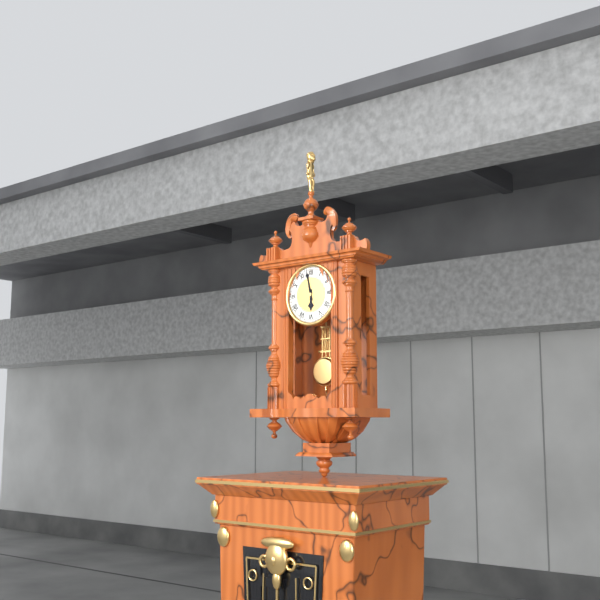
5:58
